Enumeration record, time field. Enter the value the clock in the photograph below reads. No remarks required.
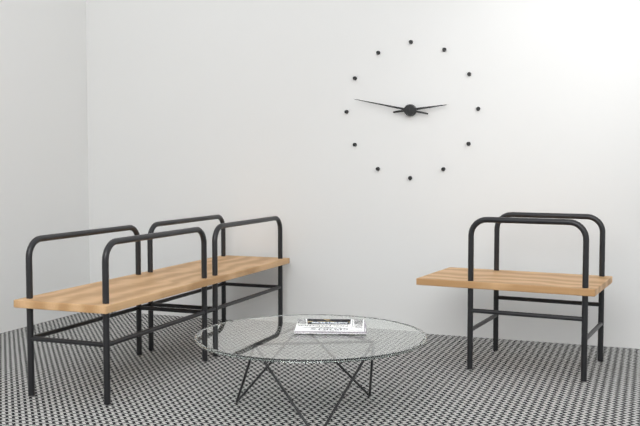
2:47
